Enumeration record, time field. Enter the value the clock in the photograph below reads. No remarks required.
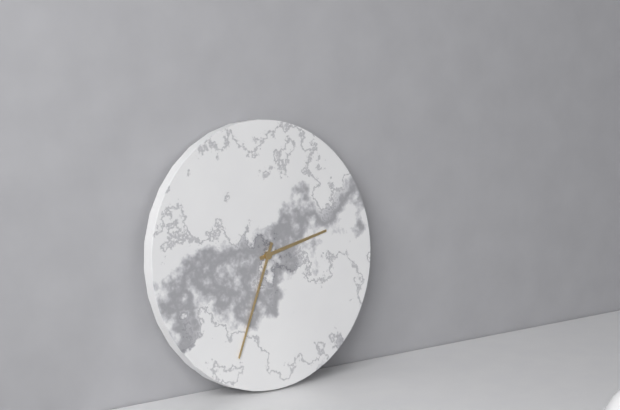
2:34
